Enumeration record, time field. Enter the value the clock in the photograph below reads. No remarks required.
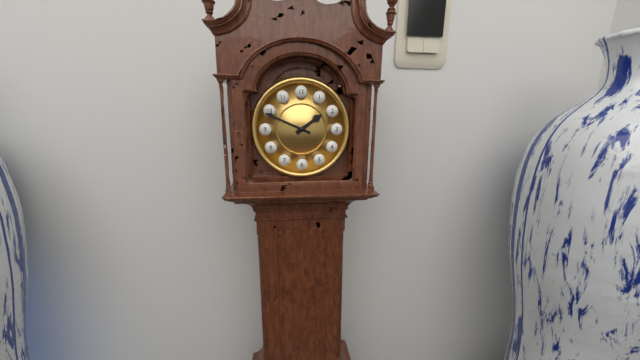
1:49
